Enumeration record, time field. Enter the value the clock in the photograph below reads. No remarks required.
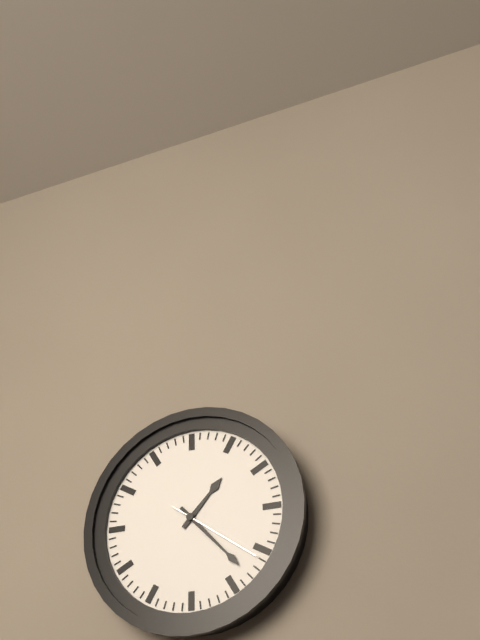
1:23:21
